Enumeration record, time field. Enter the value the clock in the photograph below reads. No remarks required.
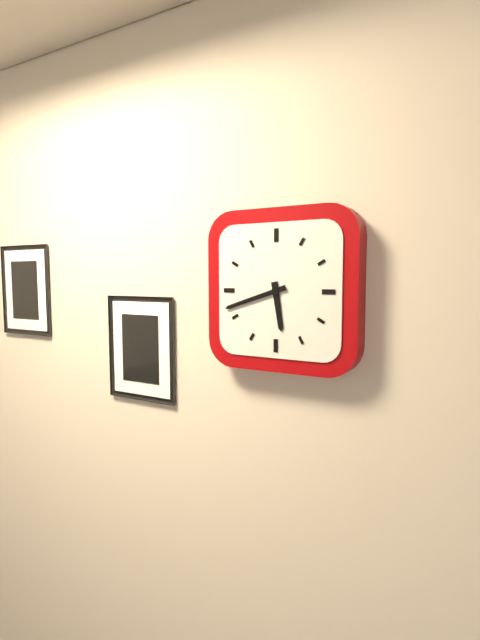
5:42
